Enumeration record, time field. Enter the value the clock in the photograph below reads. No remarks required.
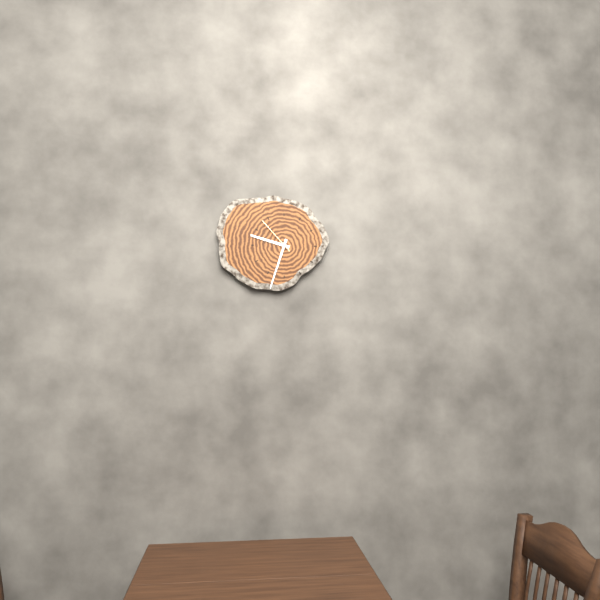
9:33
